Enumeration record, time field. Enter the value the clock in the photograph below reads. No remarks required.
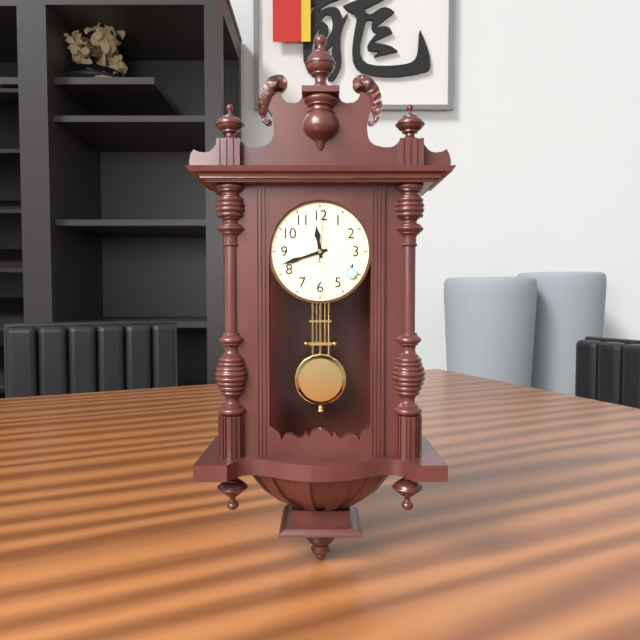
11:42:01
